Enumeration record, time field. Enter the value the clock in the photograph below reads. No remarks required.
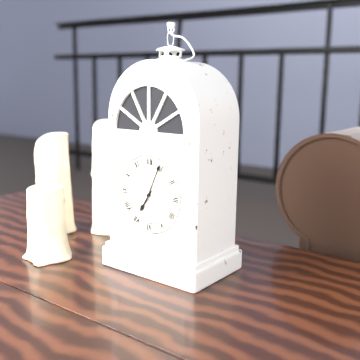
7:04
